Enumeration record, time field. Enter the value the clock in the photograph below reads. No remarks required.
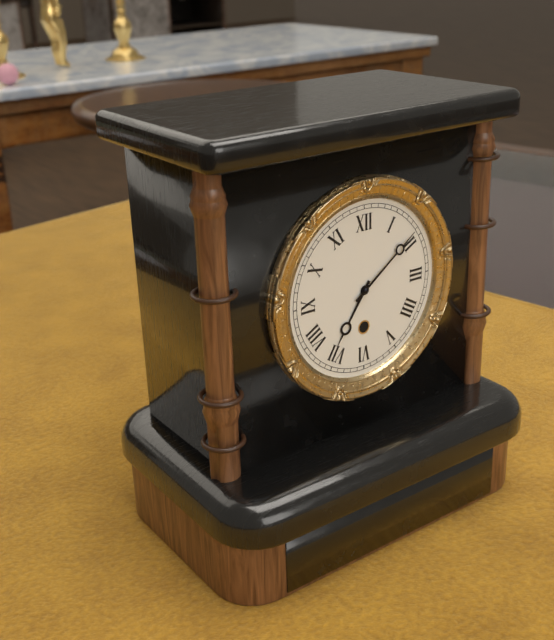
7:09
